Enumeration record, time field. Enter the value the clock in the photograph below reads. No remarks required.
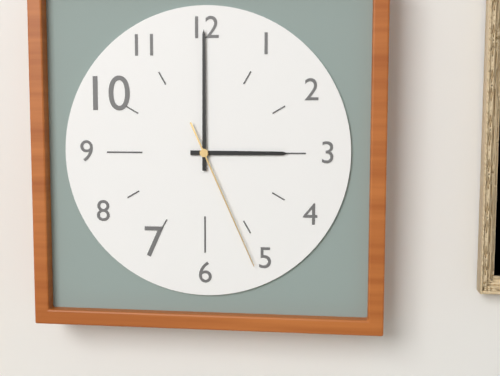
3:00:26
